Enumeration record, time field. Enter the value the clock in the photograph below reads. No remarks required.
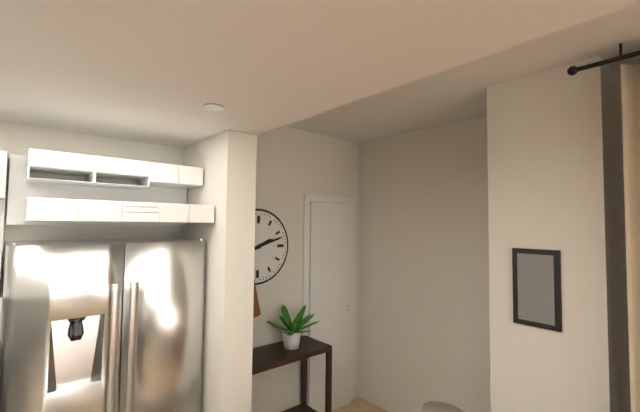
2:12
